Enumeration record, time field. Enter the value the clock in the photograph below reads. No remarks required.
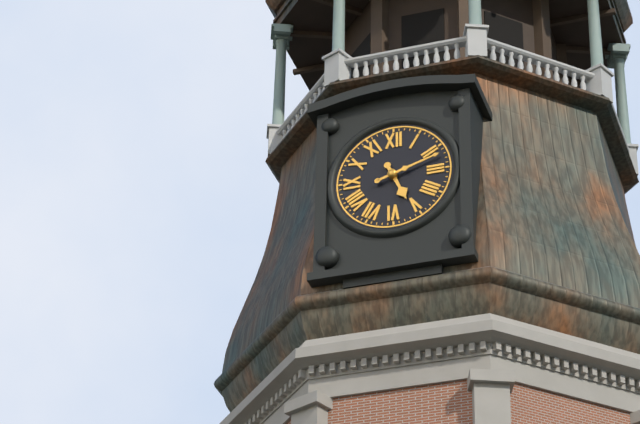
5:12
